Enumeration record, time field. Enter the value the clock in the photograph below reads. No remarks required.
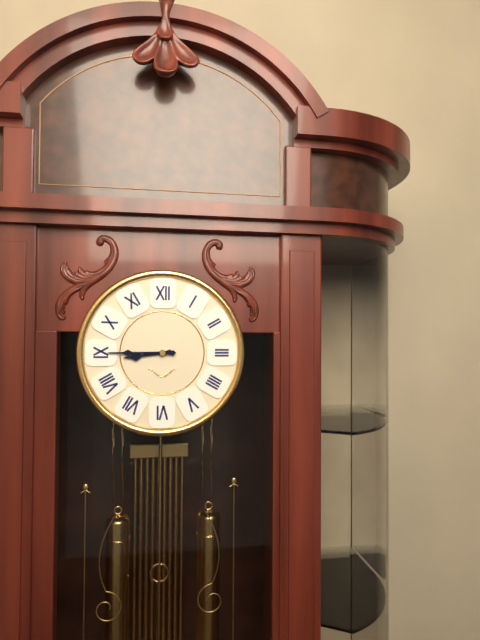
8:45
